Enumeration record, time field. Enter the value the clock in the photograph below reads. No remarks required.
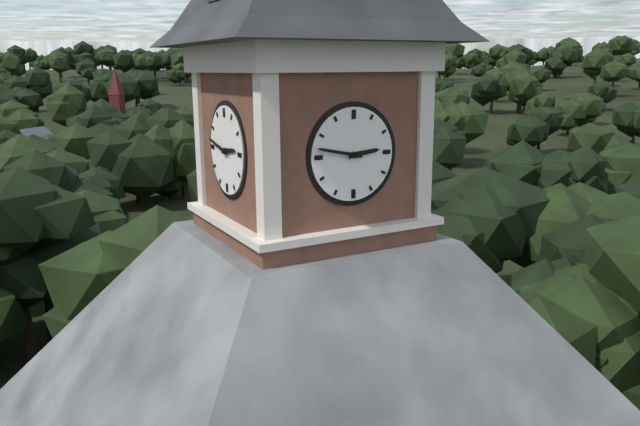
2:47
